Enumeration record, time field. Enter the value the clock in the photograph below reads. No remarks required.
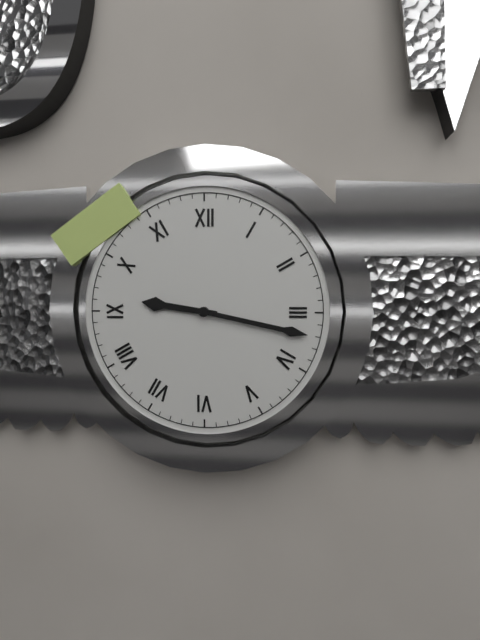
9:17
